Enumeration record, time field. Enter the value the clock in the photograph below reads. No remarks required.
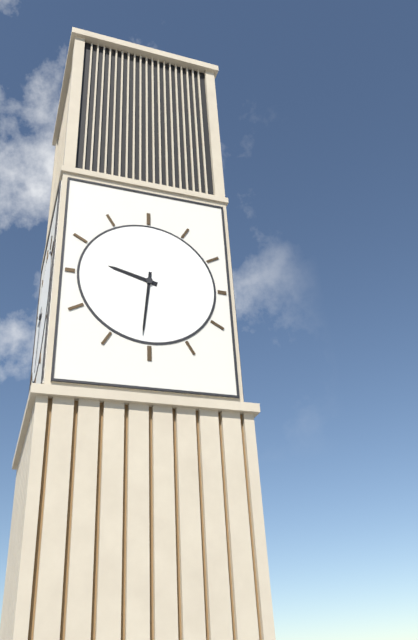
9:31
